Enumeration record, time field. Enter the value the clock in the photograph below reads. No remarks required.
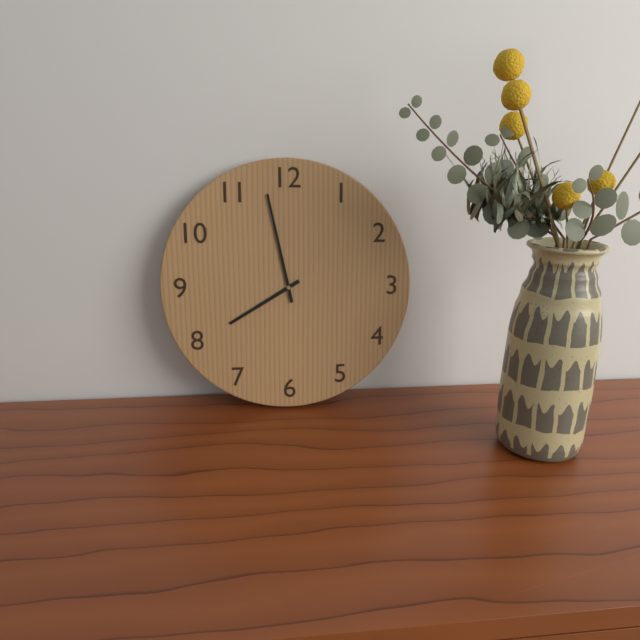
7:58
